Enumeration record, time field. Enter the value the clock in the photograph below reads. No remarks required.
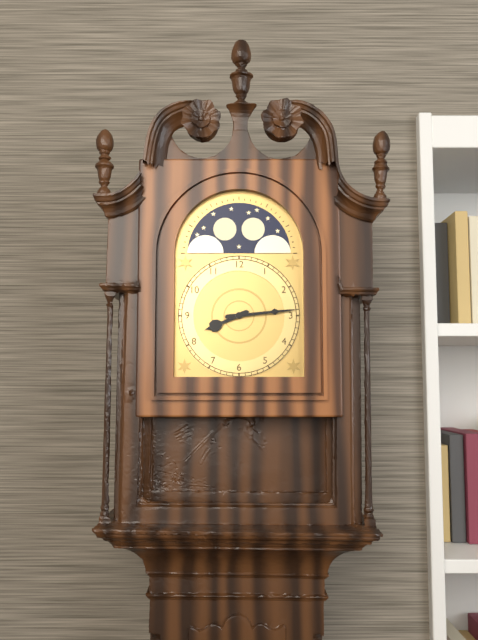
8:14
